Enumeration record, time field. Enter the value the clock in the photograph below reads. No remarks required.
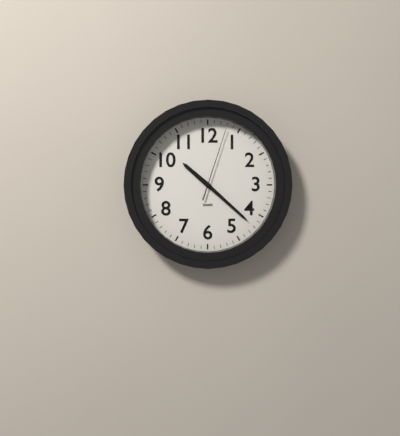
10:22:03
